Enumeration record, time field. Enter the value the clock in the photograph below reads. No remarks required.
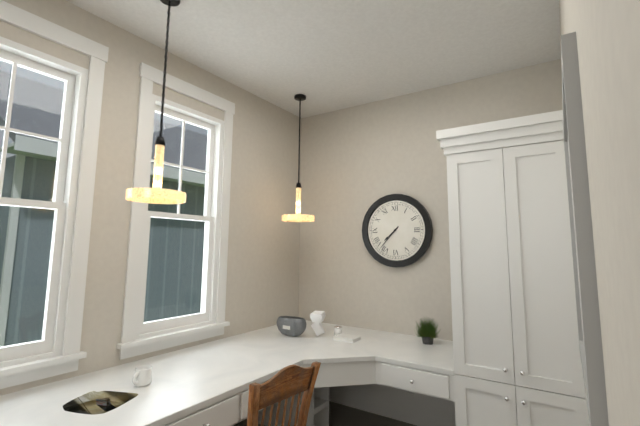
7:37
